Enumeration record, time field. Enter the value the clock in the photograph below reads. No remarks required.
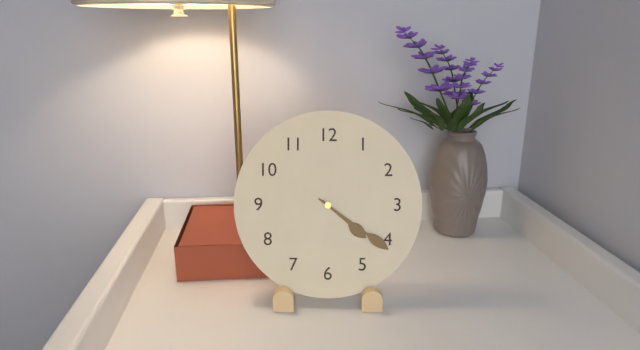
4:21
